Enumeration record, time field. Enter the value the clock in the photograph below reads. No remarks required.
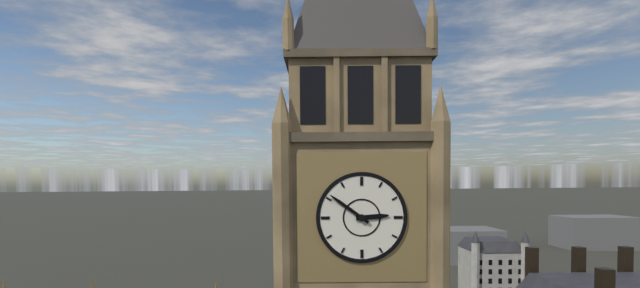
2:51
